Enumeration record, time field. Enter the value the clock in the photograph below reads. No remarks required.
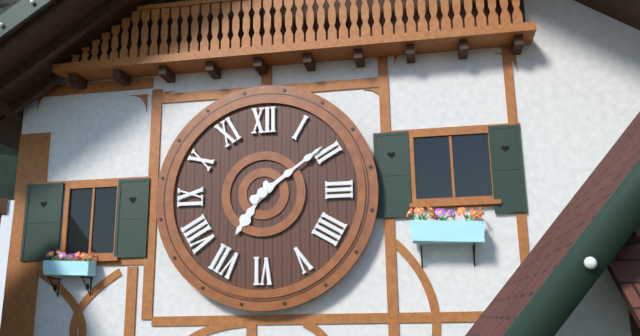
7:09
